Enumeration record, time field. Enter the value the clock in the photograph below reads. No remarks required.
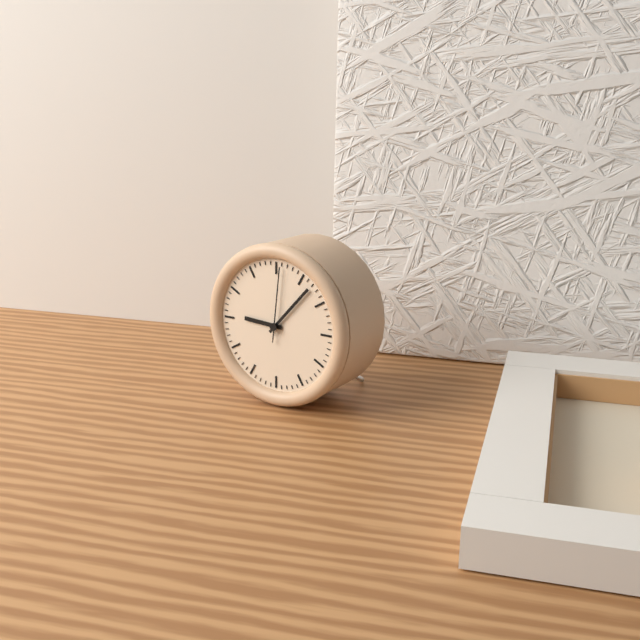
9:07:01
